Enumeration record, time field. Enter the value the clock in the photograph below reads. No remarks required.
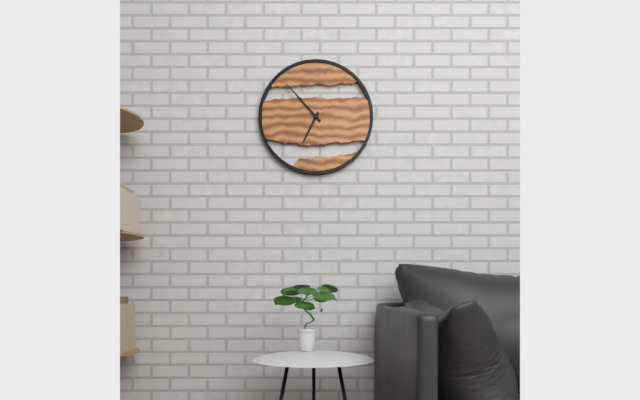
6:53
